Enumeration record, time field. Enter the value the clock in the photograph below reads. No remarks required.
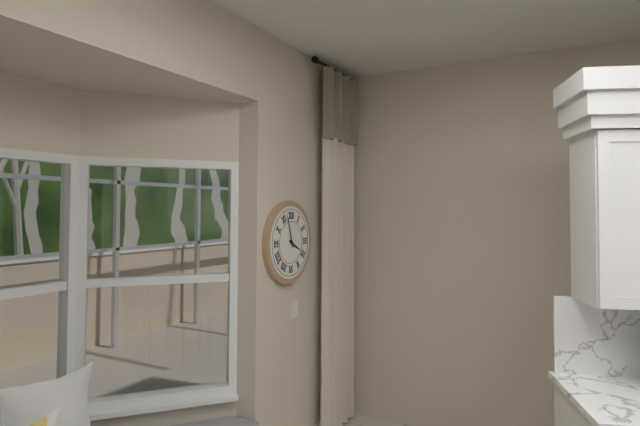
3:57
